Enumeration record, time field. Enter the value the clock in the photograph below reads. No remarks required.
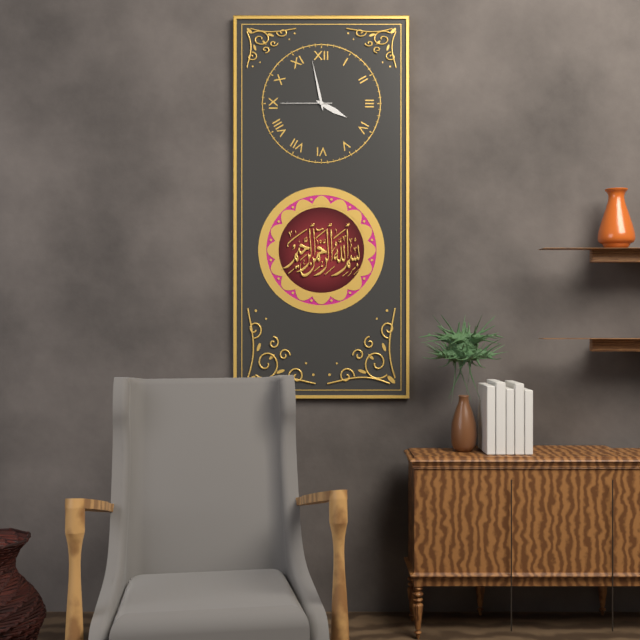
3:58:45
